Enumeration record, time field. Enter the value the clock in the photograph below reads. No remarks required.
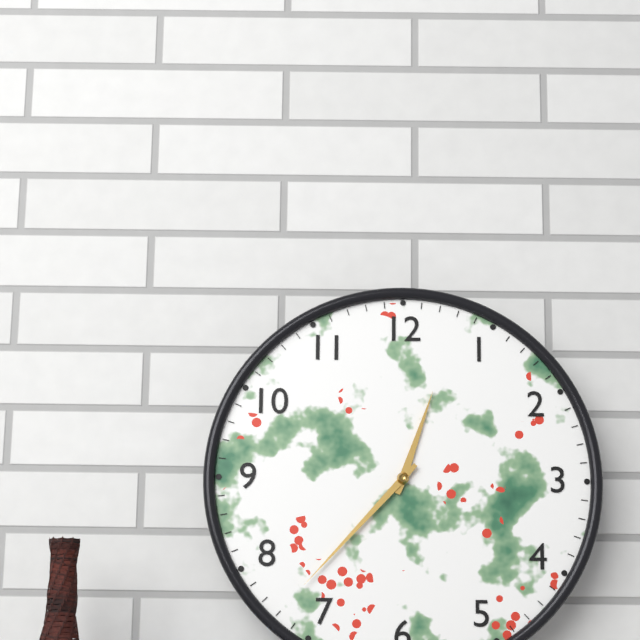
12:37
